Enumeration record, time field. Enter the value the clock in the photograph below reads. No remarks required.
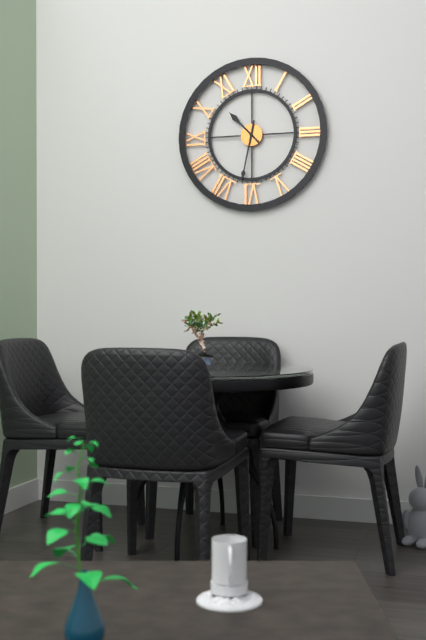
10:32
